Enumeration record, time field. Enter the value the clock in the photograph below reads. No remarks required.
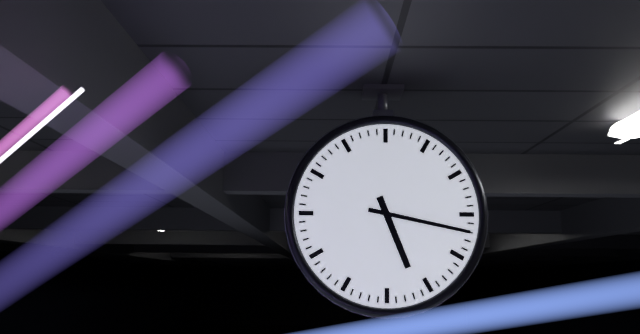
5:17
